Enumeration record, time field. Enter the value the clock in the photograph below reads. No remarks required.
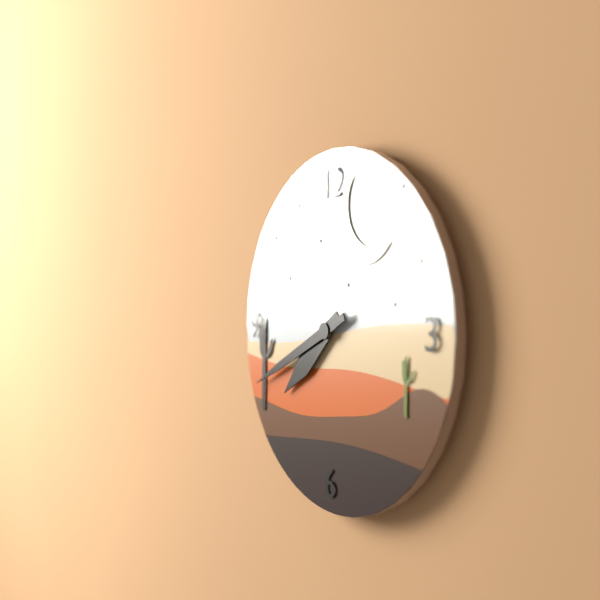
7:41
